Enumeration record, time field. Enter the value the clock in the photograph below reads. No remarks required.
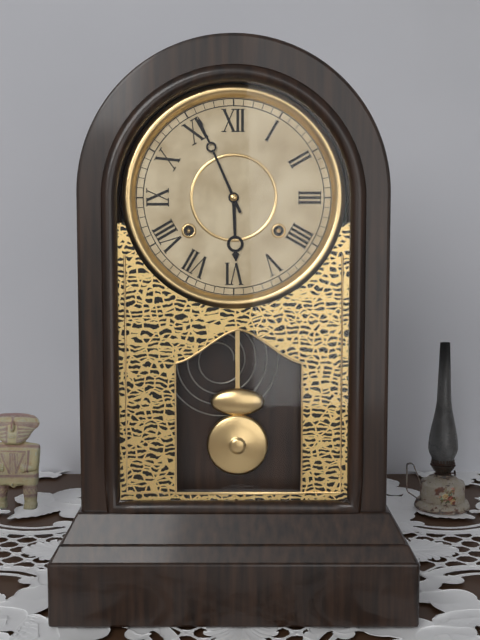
5:56
